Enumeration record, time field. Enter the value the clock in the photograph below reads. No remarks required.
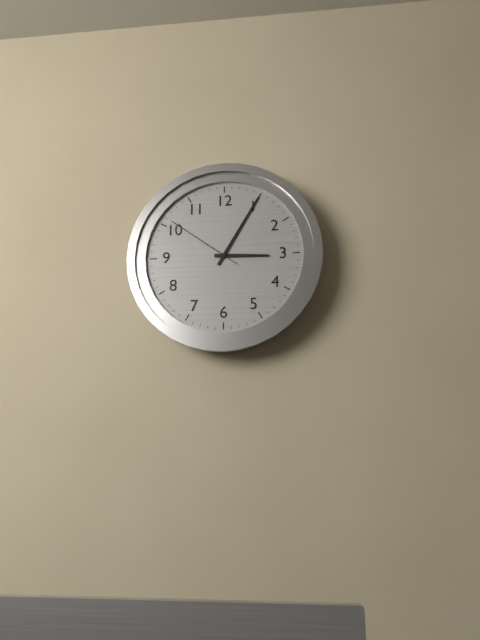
3:05:51
